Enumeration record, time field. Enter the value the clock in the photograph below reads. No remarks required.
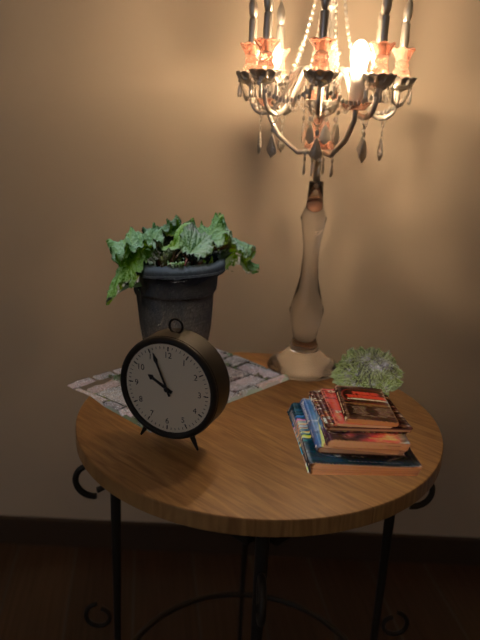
9:56
